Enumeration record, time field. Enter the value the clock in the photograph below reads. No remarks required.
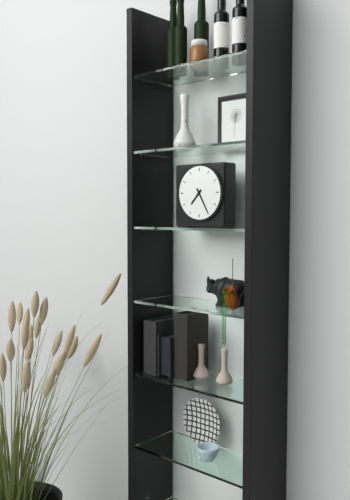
7:25
